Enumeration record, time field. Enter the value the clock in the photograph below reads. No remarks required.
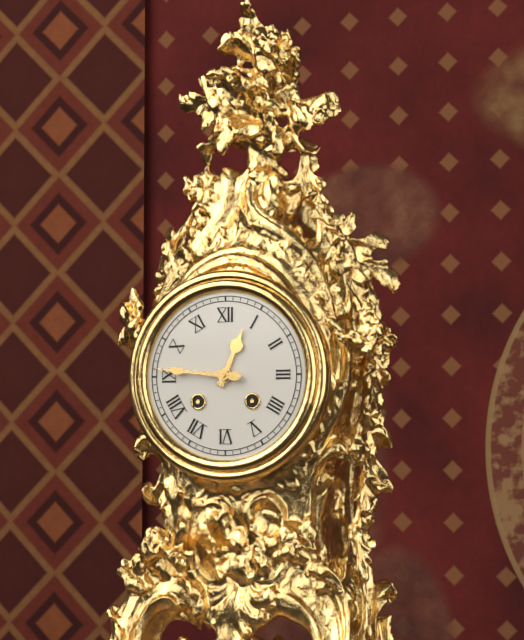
12:46
